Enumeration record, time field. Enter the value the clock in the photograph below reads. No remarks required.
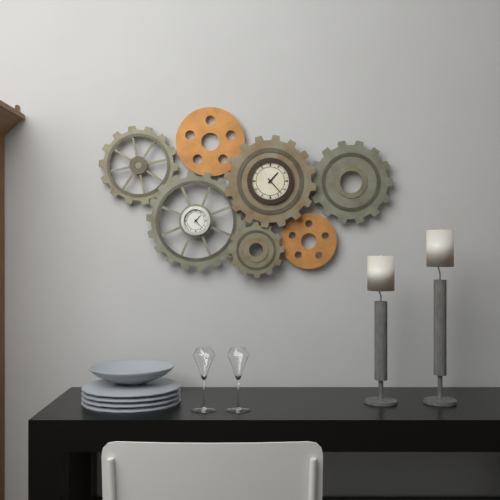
1:23
